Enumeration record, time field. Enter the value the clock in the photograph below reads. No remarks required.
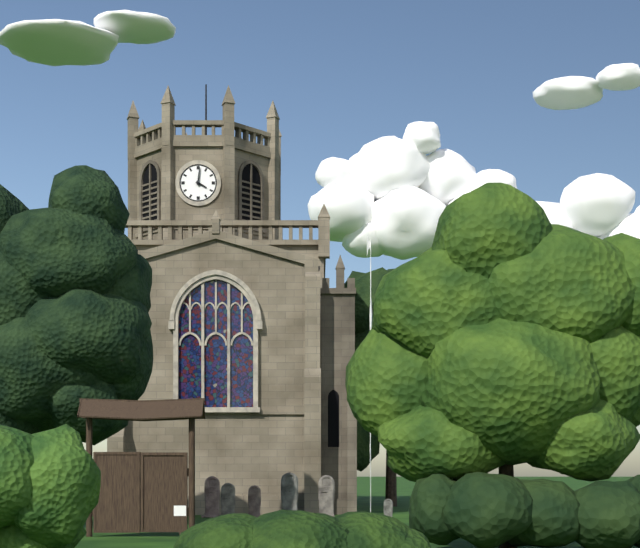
4:01
